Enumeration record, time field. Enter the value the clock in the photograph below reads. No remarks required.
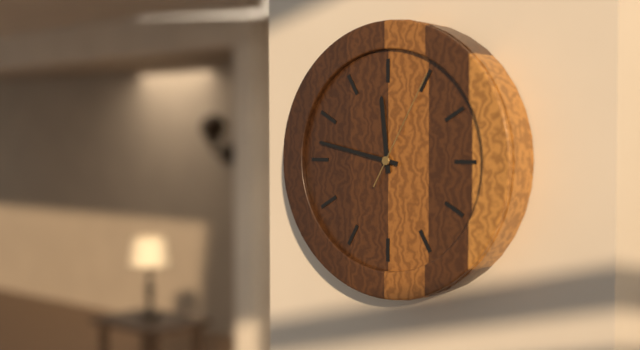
11:47:05
